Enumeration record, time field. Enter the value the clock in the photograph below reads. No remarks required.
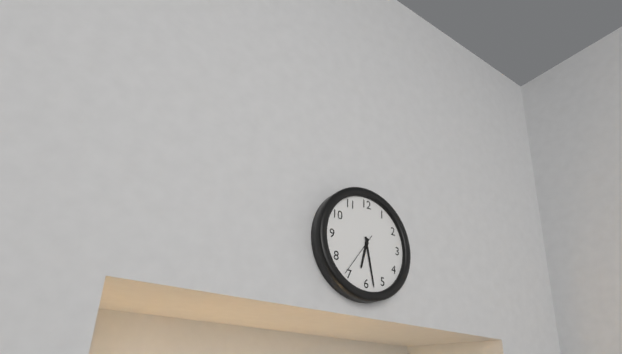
6:28
